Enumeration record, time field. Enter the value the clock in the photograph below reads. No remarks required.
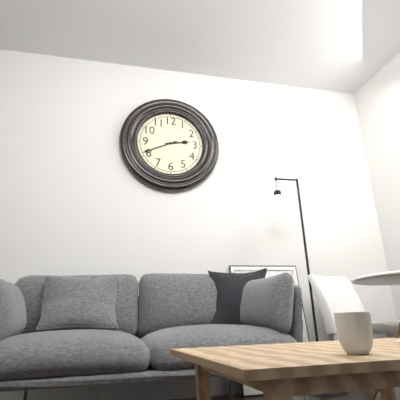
2:41
